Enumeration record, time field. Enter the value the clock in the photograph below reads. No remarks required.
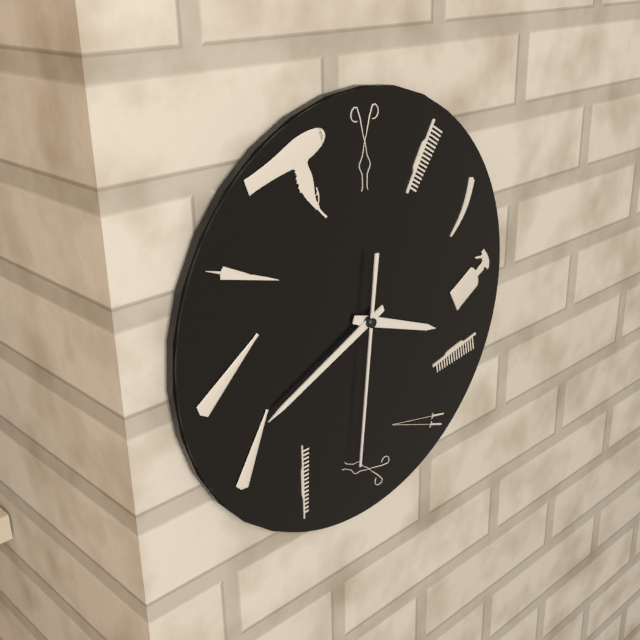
3:41:31
